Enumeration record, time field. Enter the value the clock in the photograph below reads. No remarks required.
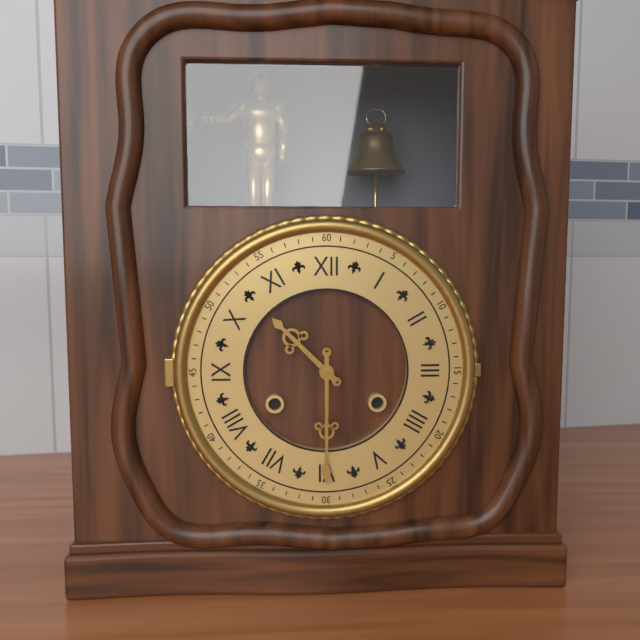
10:30
